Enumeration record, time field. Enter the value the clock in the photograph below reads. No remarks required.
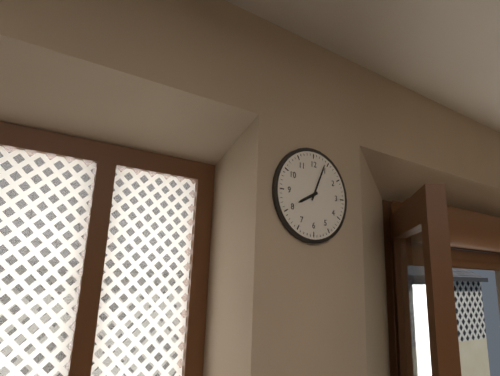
8:04
